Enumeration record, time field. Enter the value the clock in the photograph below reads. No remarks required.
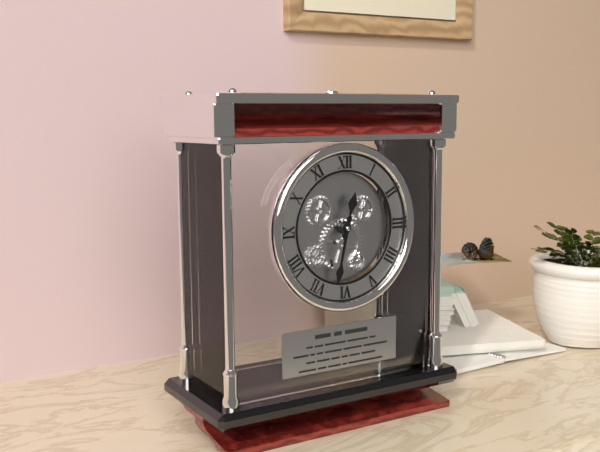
12:32
